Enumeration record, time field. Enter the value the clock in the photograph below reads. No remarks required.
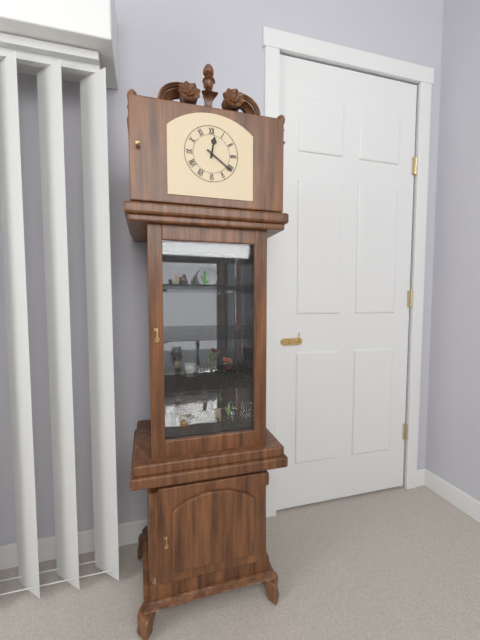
12:21
